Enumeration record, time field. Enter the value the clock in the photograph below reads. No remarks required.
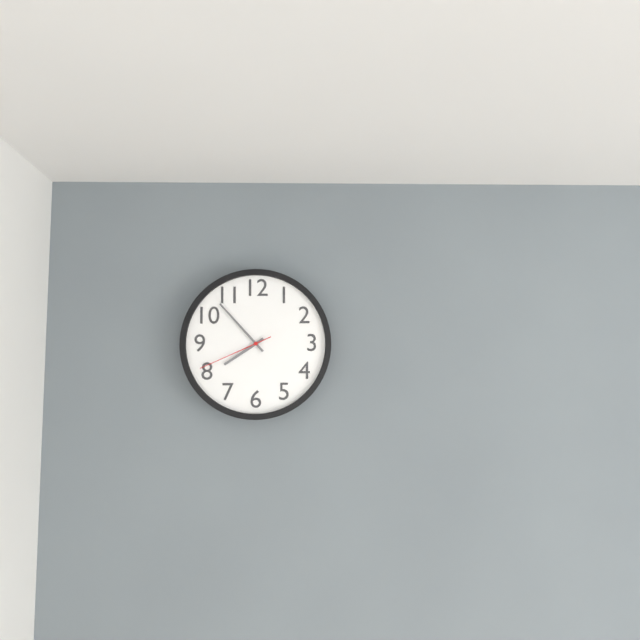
7:53:41
